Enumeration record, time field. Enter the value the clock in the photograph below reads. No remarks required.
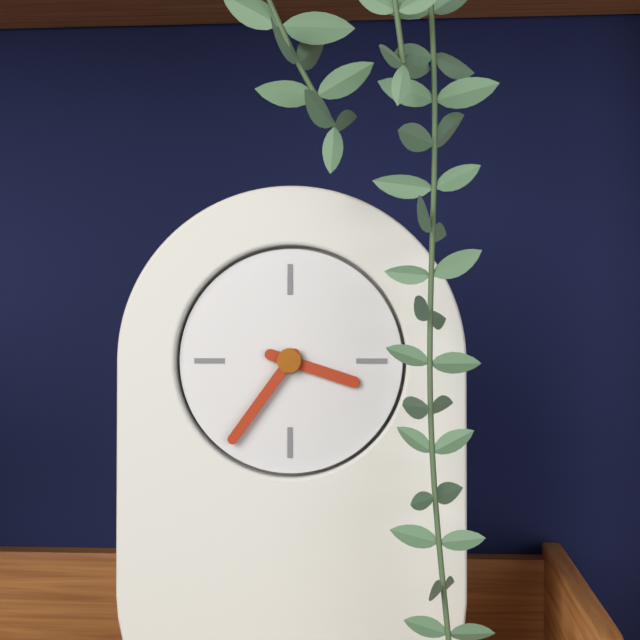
3:36
